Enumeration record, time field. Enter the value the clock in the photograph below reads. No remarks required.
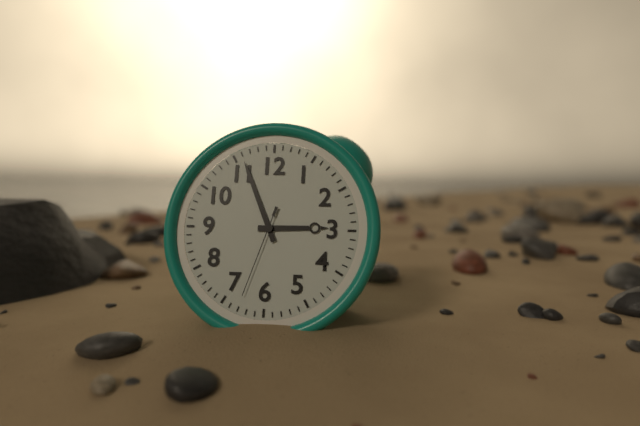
2:56:33
